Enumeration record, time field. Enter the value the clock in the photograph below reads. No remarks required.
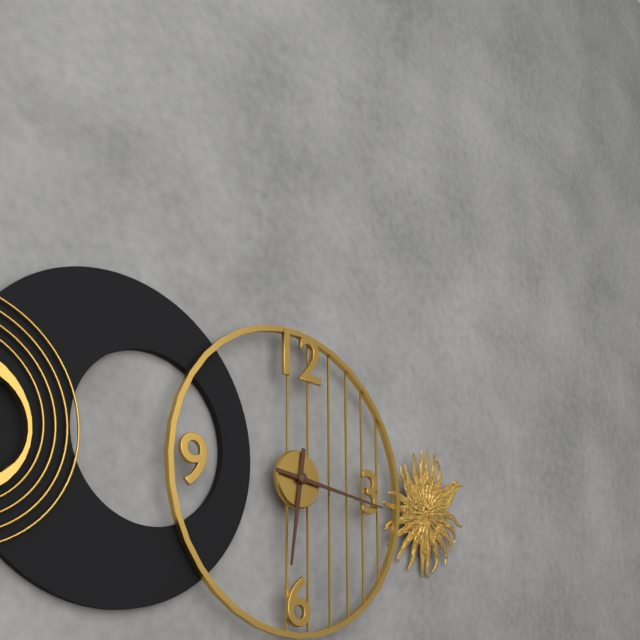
6:16
